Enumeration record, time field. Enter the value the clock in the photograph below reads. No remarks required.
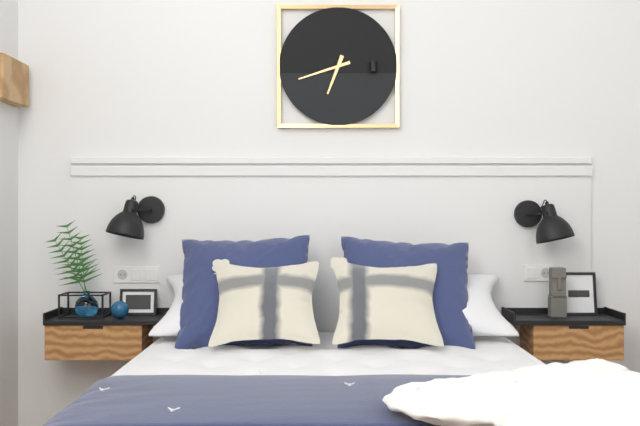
6:42
